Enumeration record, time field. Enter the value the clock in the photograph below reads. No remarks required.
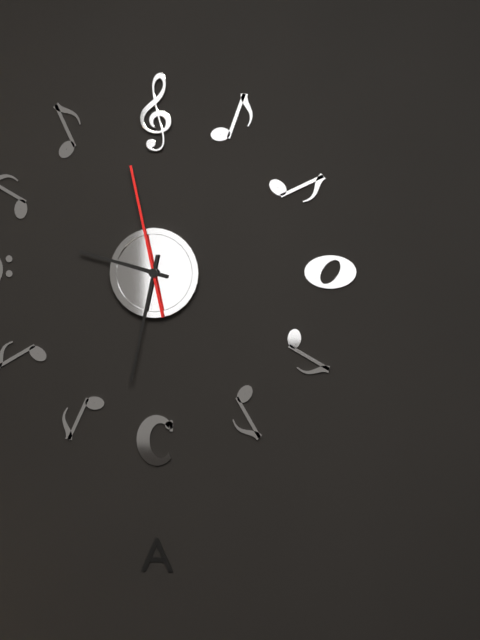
9:32:58
